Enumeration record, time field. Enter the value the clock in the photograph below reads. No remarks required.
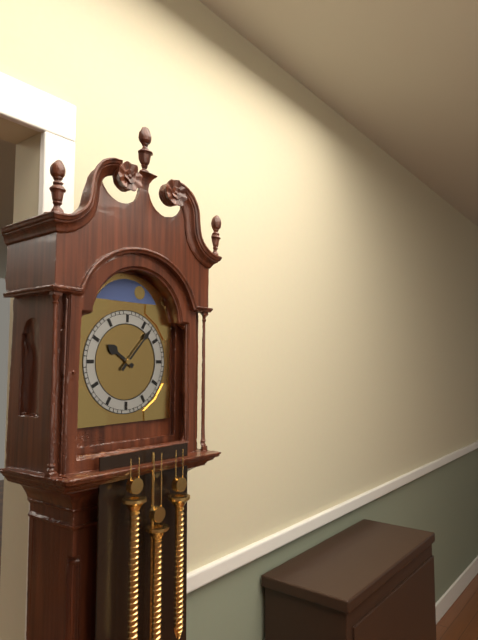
10:07
